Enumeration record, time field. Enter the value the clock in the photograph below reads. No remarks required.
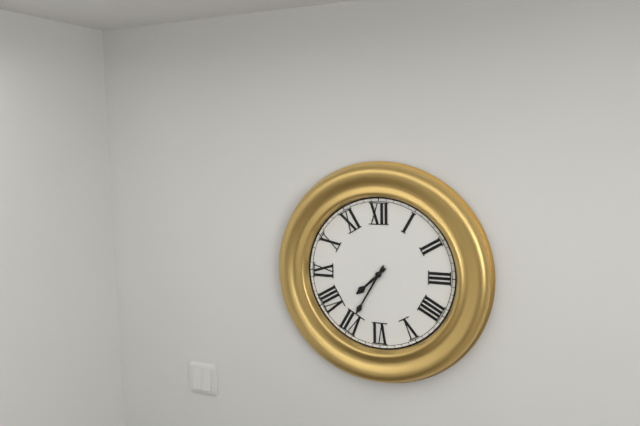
7:35
